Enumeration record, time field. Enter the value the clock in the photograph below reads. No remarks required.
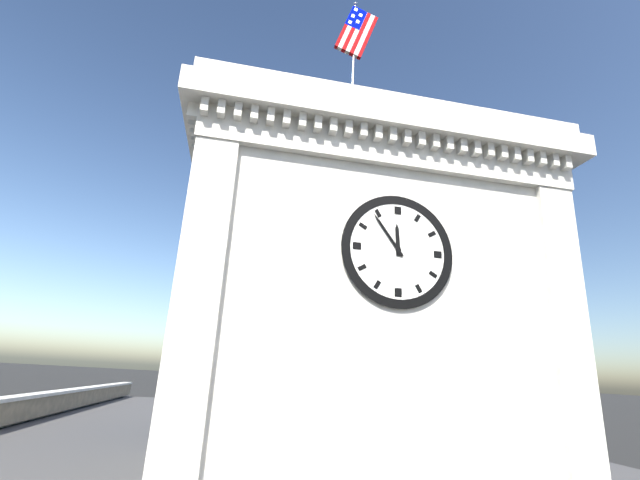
11:54
